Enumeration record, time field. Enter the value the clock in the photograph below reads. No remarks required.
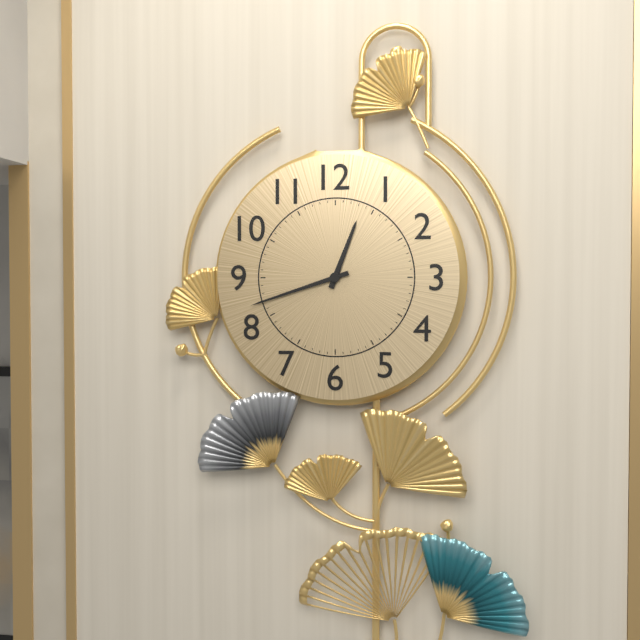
12:42
